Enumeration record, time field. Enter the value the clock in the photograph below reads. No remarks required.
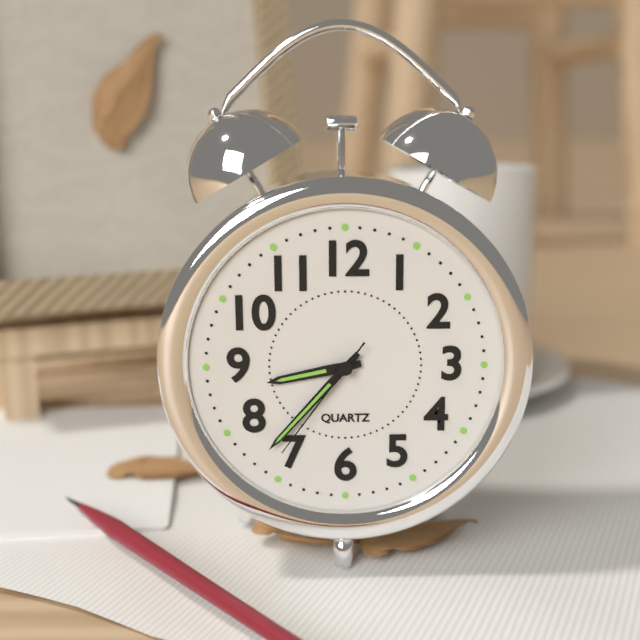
8:37:36
